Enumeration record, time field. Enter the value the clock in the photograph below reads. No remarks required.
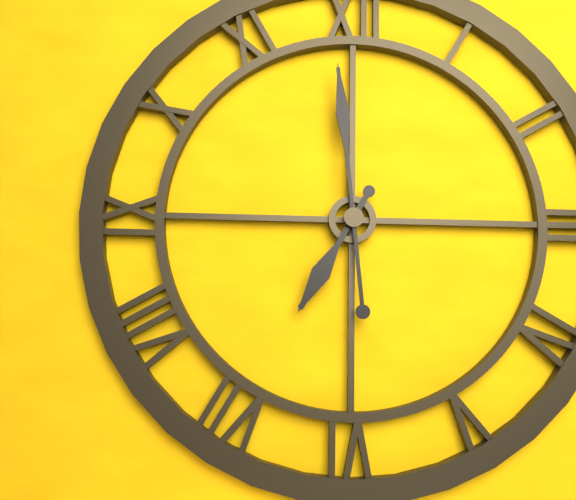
6:59
